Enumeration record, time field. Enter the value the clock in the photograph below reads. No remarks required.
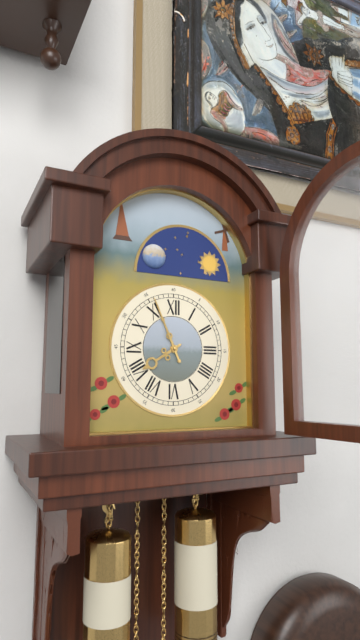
7:56
